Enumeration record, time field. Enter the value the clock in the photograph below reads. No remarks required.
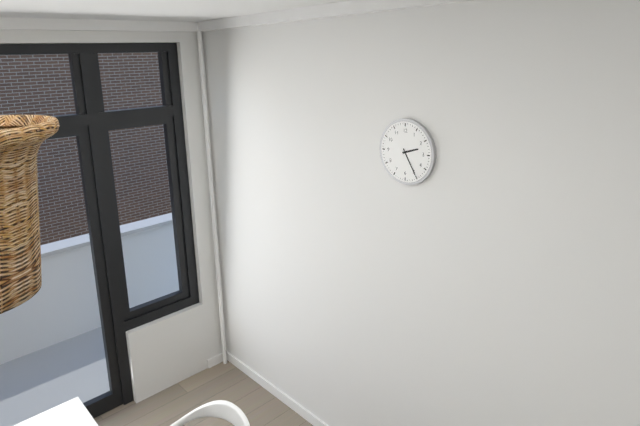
2:25
